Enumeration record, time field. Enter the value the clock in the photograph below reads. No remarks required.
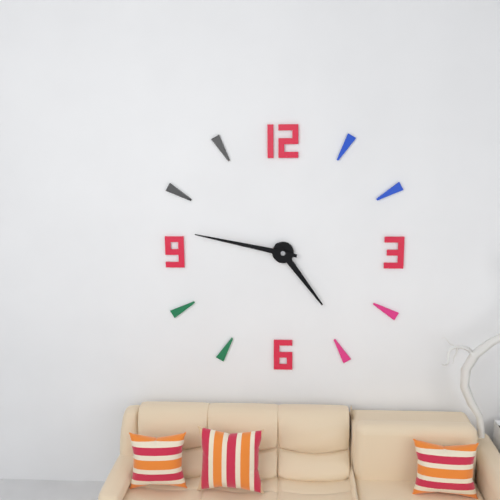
4:47
